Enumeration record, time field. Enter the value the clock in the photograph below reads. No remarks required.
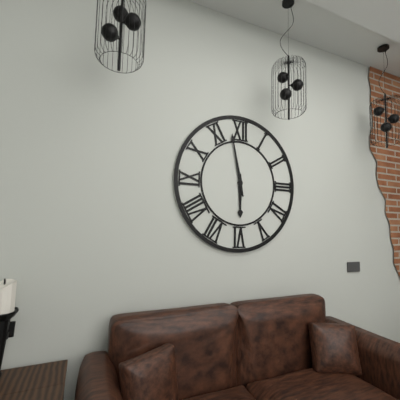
5:58
